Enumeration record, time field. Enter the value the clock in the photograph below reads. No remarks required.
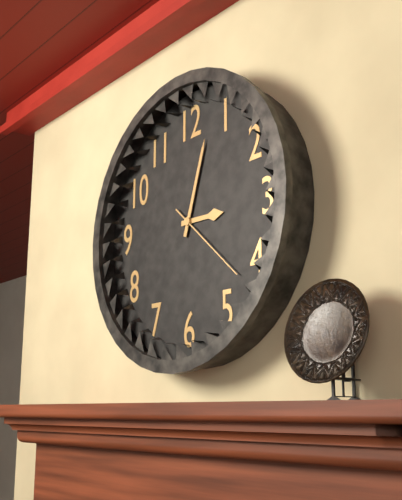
3:03:22
